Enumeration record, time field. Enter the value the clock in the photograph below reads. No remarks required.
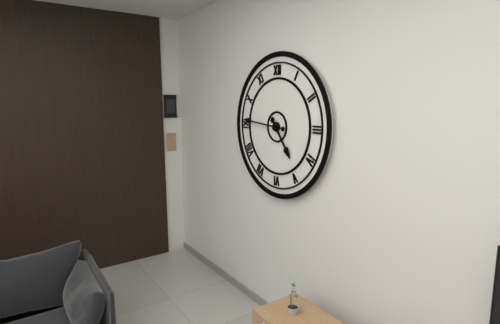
4:46
